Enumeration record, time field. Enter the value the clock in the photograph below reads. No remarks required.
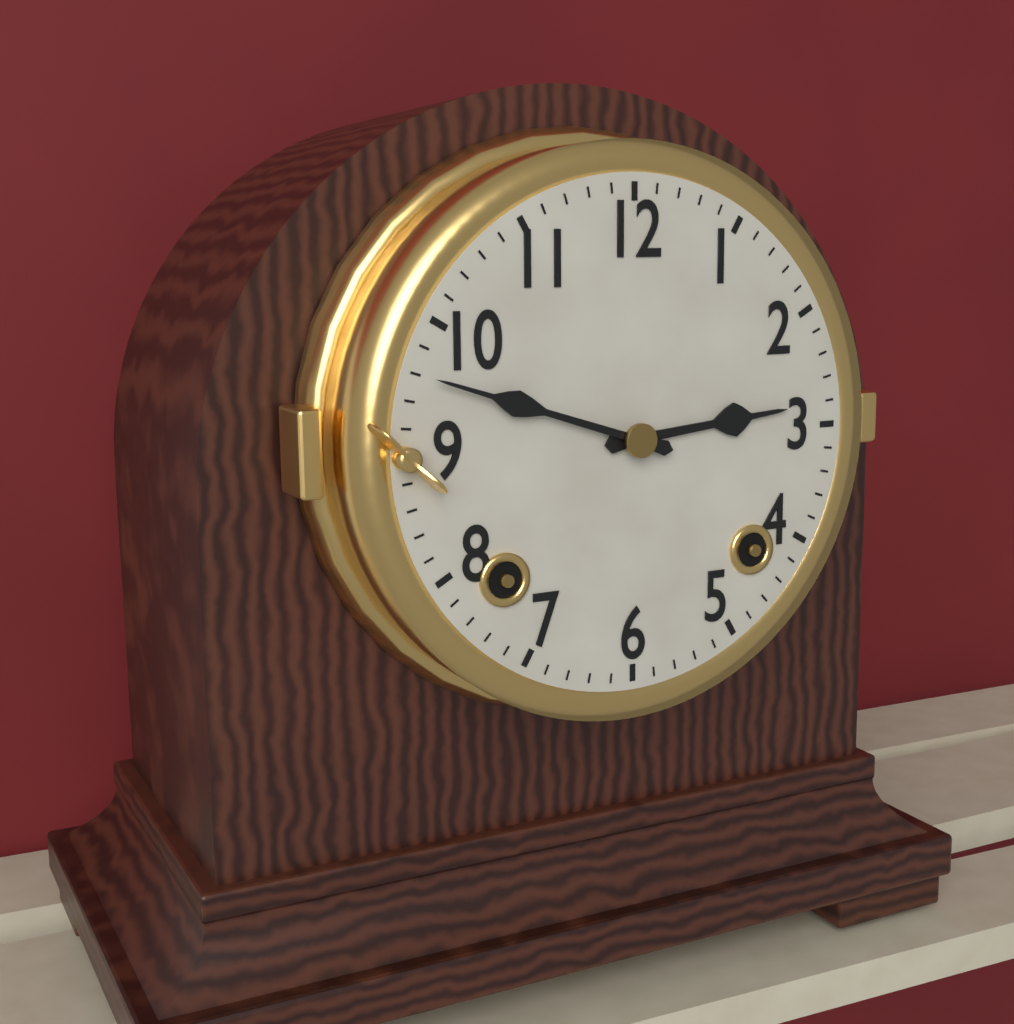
2:48
